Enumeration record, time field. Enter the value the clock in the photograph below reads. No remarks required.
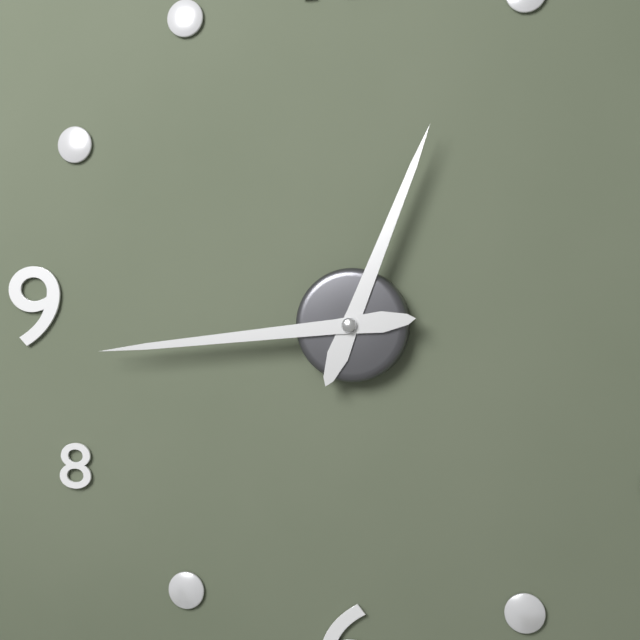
12:44
